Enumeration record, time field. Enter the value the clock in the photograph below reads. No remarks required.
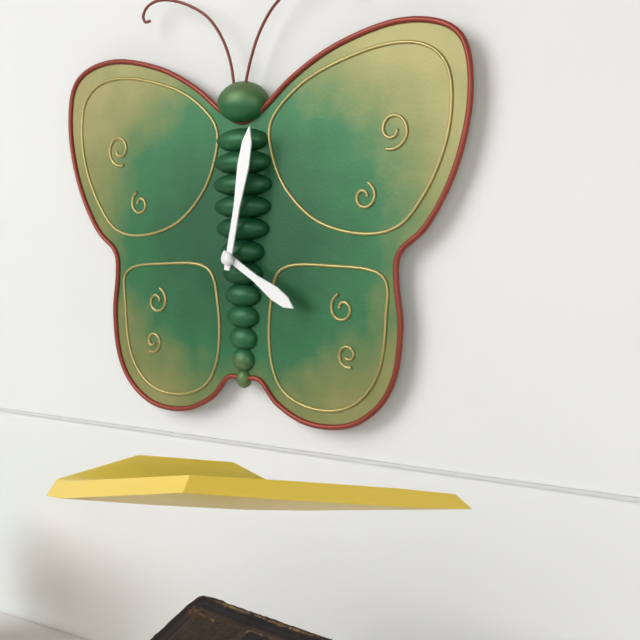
4:02
